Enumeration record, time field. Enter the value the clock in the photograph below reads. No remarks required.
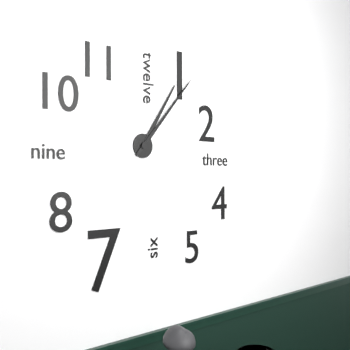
1:07
